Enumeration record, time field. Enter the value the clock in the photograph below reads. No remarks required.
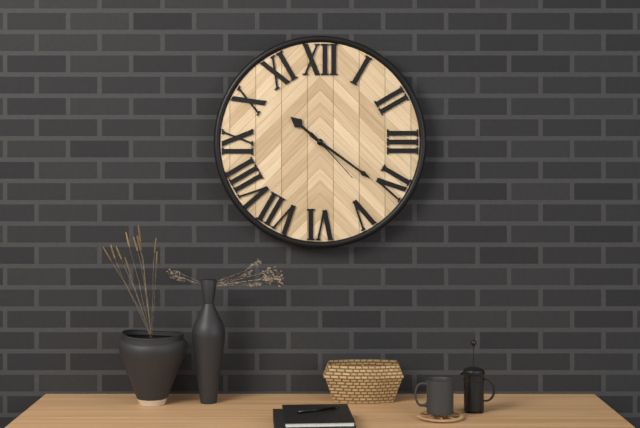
10:21:23
